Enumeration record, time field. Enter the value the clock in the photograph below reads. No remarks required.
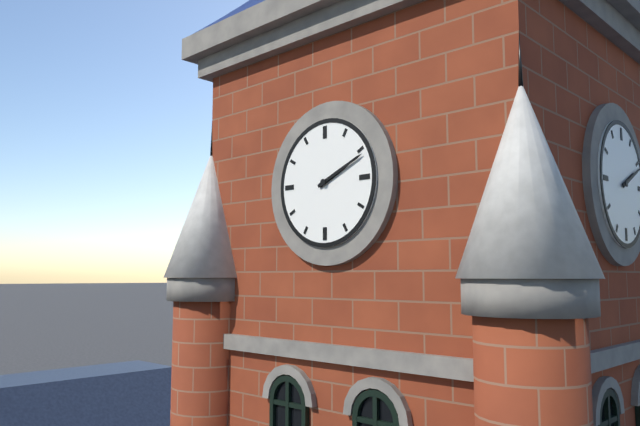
2:11
